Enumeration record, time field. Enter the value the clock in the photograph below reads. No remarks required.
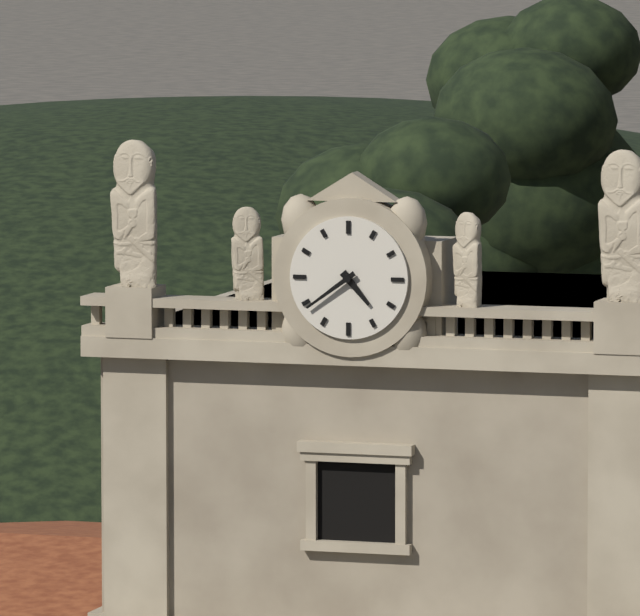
4:39
